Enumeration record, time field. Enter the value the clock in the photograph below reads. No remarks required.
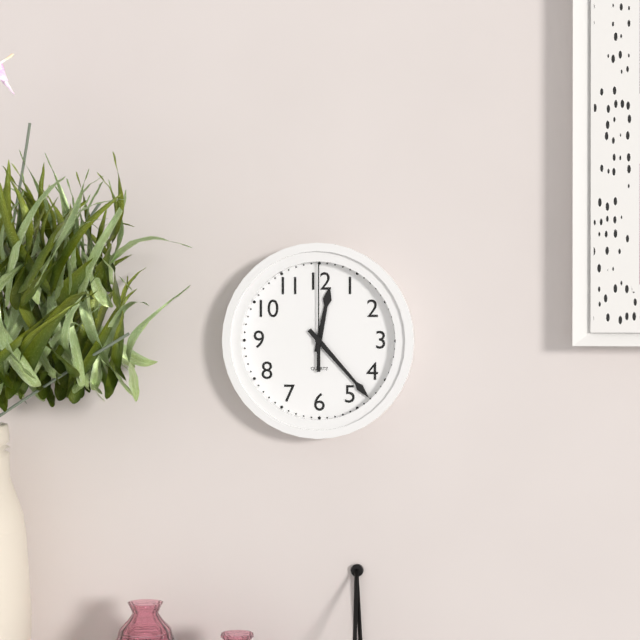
12:23:00
